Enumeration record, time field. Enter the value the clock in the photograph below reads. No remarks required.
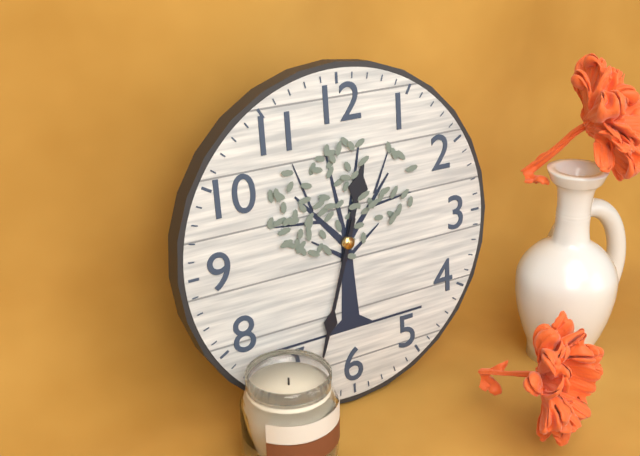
12:33
